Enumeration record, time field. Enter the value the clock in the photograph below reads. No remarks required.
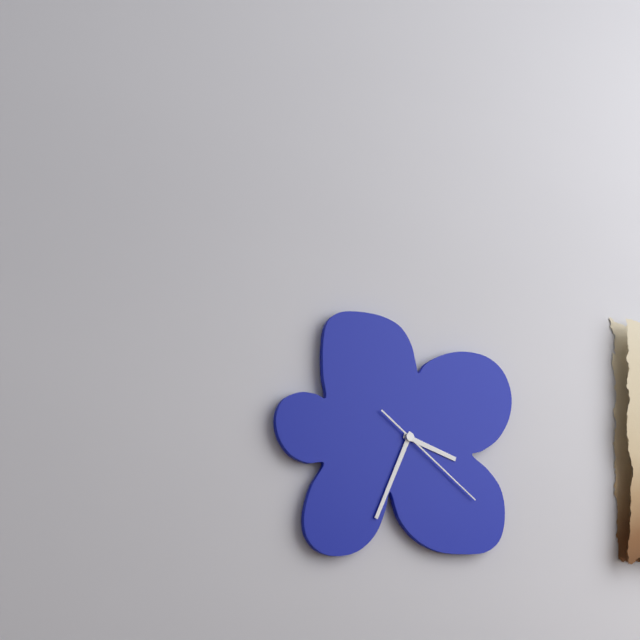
3:34:21
